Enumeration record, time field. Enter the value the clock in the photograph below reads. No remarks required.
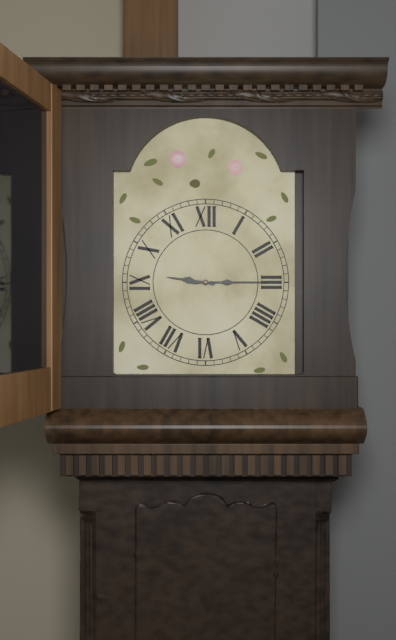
9:15
